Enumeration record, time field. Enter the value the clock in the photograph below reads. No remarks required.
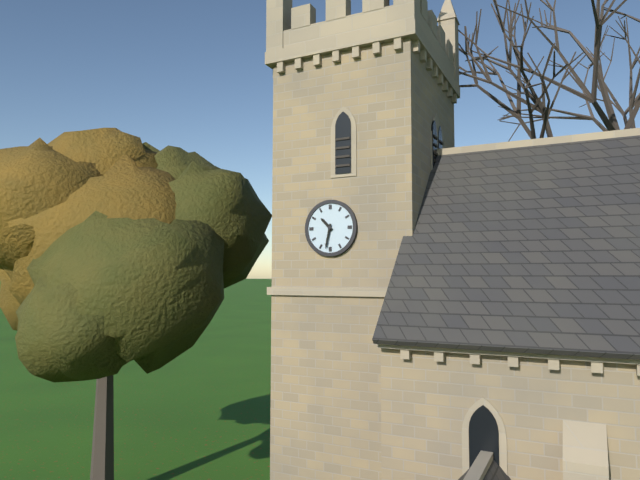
10:32
